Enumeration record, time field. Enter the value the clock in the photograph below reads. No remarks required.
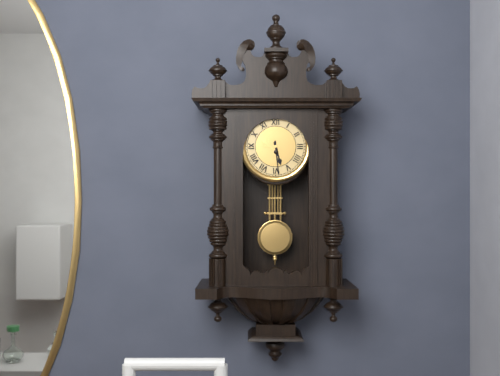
5:29
